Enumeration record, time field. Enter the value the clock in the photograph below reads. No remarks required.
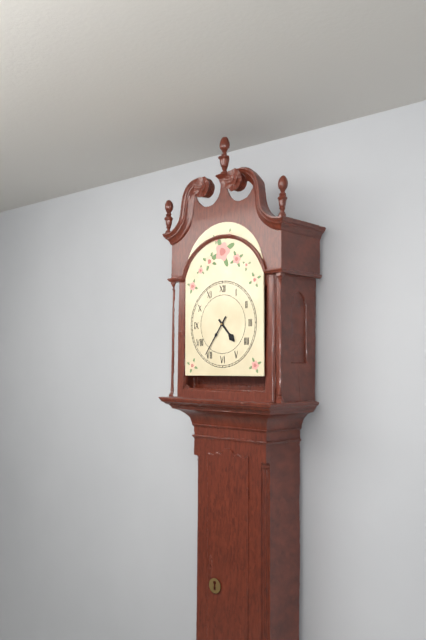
4:36
